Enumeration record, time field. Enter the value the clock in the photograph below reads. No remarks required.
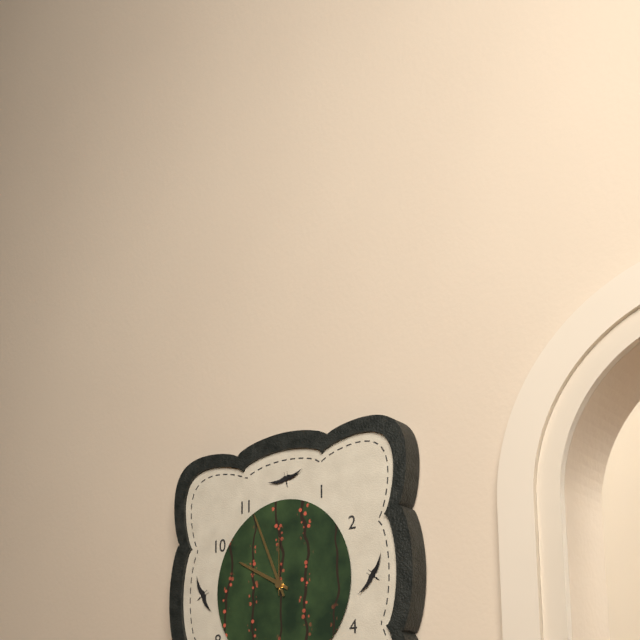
9:56:00
